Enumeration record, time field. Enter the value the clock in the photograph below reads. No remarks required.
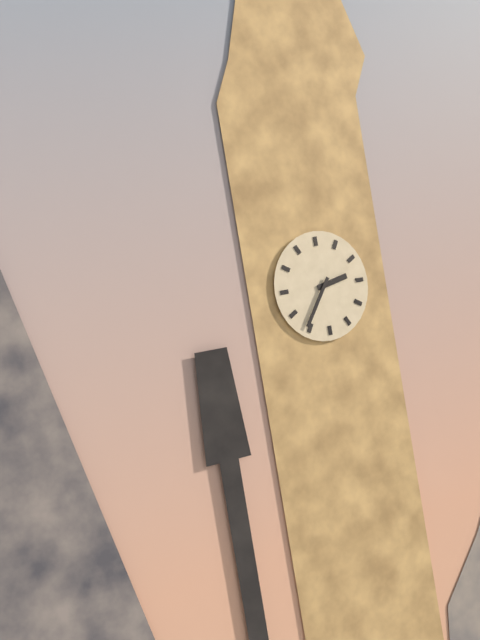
2:36
